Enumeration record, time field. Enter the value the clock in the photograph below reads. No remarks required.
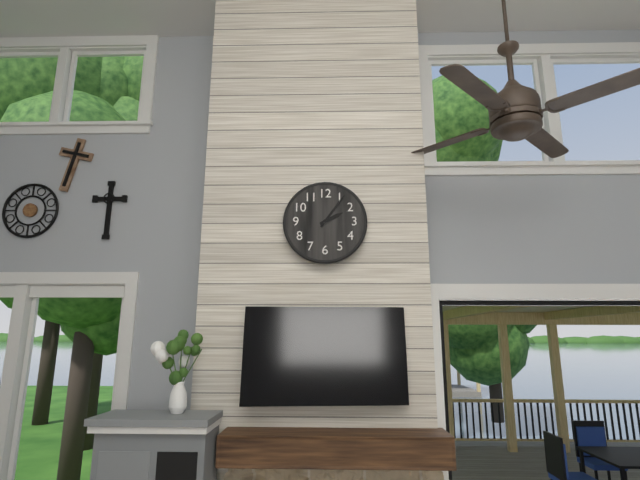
2:06
